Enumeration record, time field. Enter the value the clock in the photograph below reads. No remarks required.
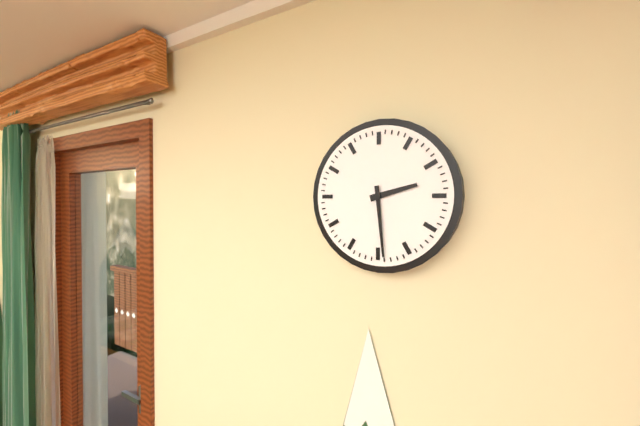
2:29
